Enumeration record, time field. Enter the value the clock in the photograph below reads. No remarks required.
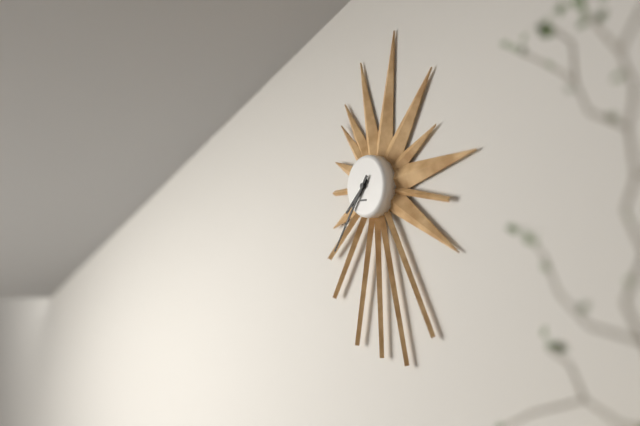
7:36
